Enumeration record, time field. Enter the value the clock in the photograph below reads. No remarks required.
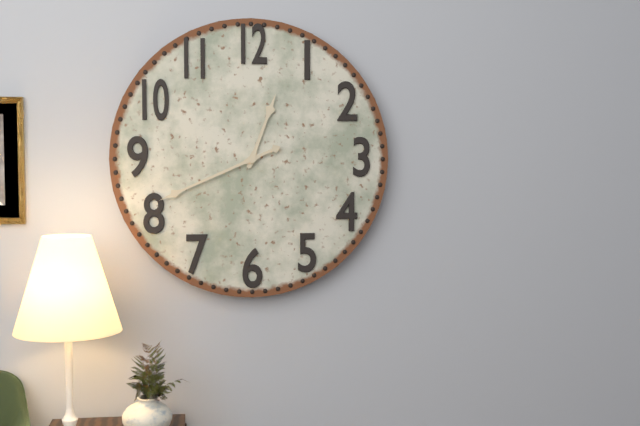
12:41
